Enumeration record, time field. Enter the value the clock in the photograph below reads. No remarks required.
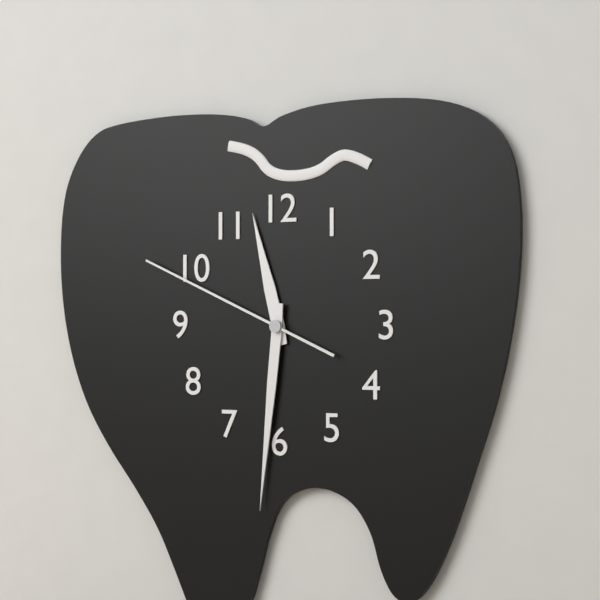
11:31:49
